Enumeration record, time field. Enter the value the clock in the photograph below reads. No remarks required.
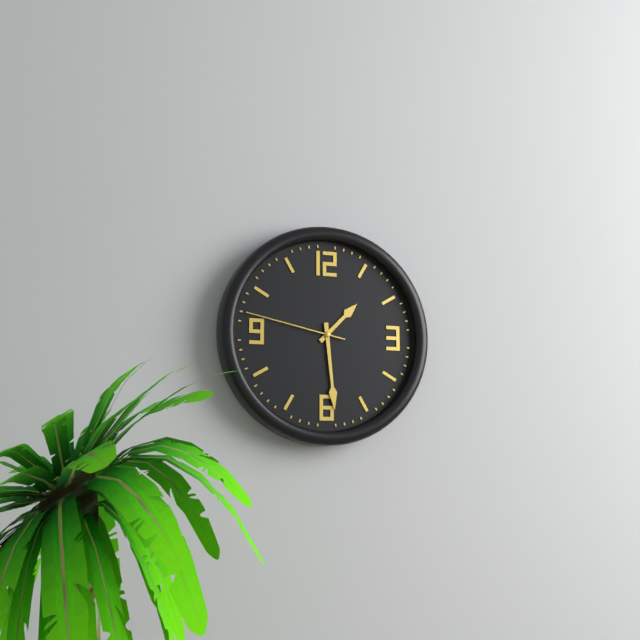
1:29:47
